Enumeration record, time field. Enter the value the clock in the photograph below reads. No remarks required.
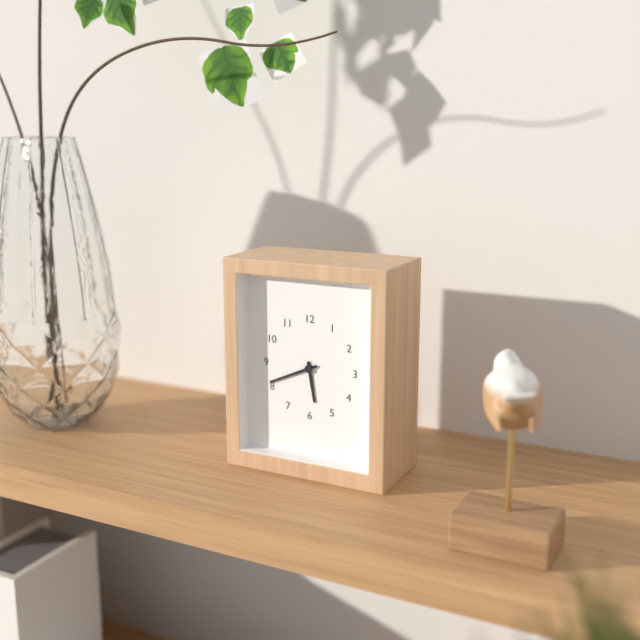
5:41
